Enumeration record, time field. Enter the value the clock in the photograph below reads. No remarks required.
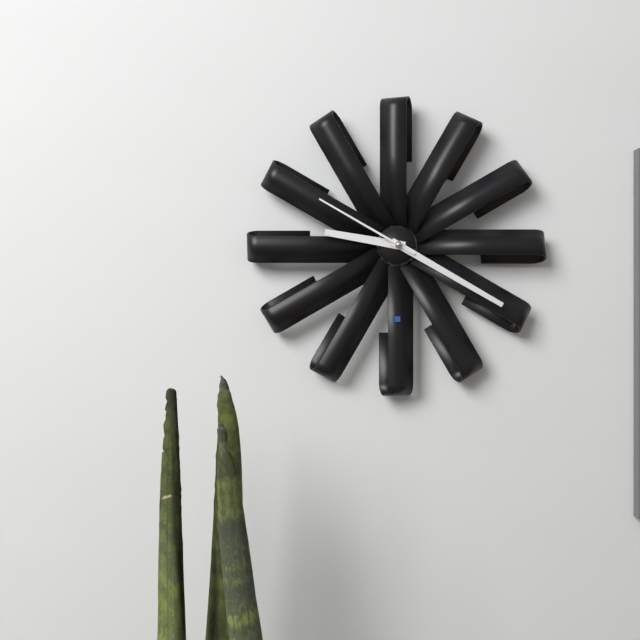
9:20:50
